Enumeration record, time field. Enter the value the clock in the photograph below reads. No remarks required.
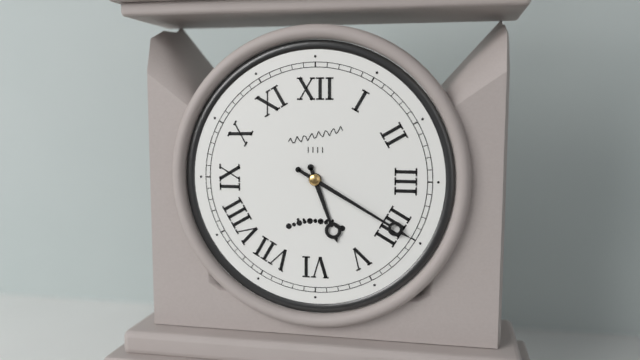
5:20
